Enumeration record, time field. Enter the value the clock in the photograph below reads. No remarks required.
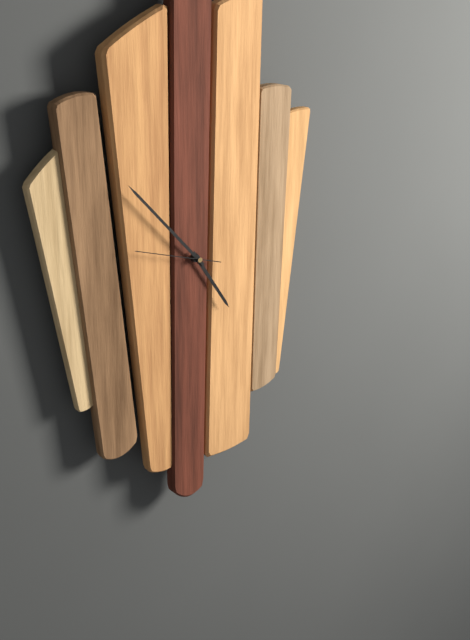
4:53:48
